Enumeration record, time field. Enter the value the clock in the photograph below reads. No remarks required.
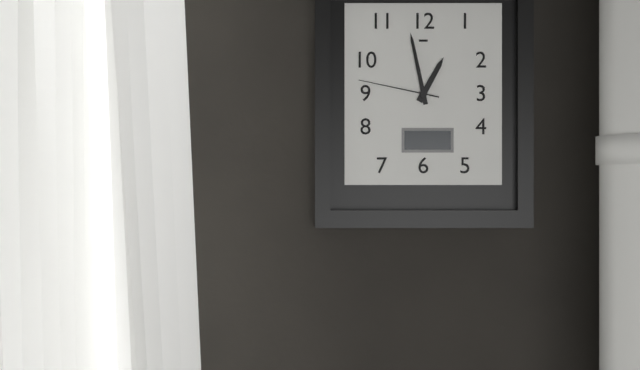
12:58:47
